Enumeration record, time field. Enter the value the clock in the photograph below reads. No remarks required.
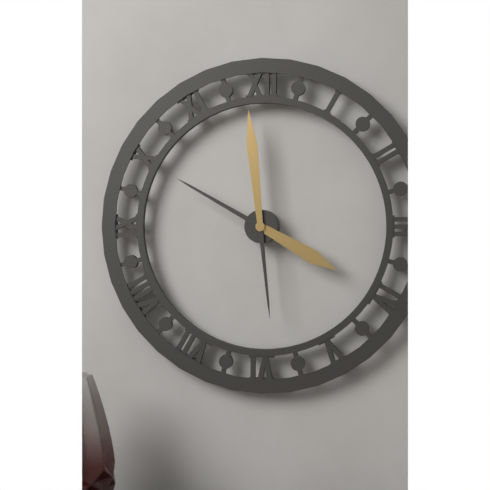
3:59
